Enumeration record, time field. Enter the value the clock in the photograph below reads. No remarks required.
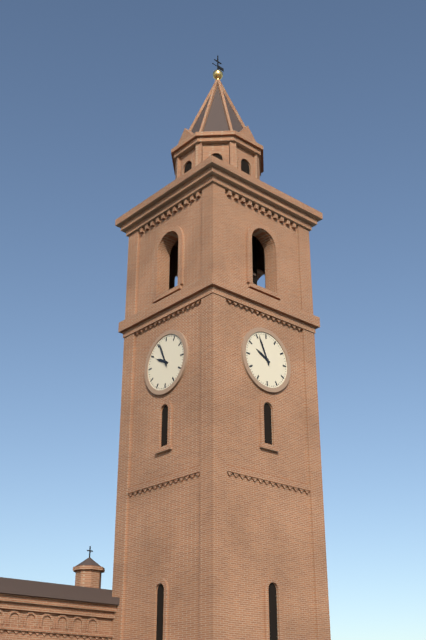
9:56
